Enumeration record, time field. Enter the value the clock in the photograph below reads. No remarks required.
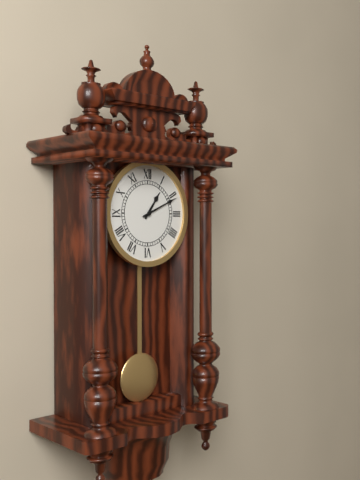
1:11
